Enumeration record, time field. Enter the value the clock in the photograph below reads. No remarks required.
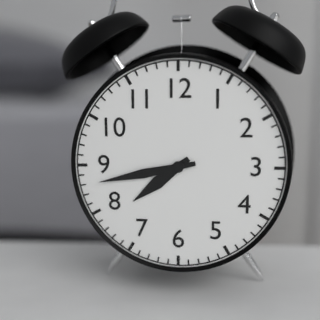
7:43
